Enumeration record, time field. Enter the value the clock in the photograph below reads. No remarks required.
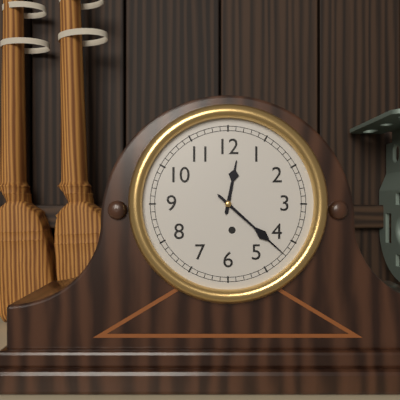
12:22
